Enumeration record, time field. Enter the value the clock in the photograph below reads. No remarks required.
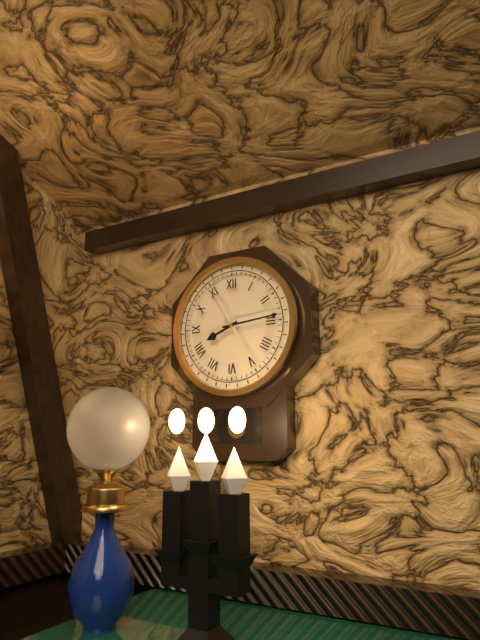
8:14
